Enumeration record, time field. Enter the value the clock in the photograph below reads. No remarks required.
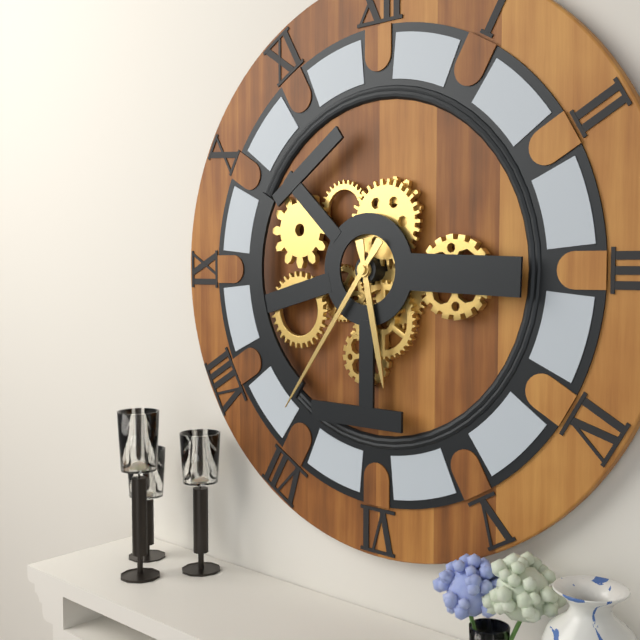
5:36
